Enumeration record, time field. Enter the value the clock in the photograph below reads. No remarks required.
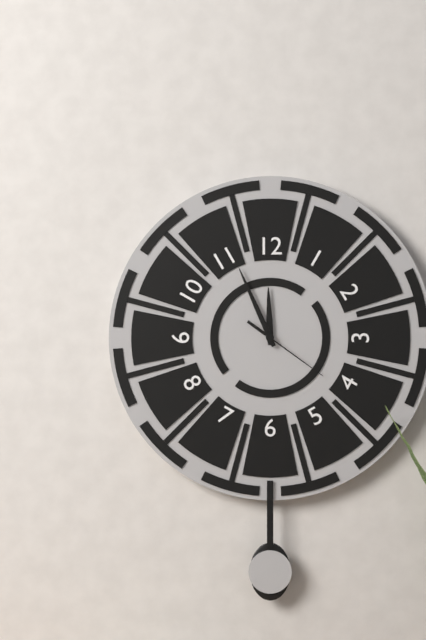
11:56:21
